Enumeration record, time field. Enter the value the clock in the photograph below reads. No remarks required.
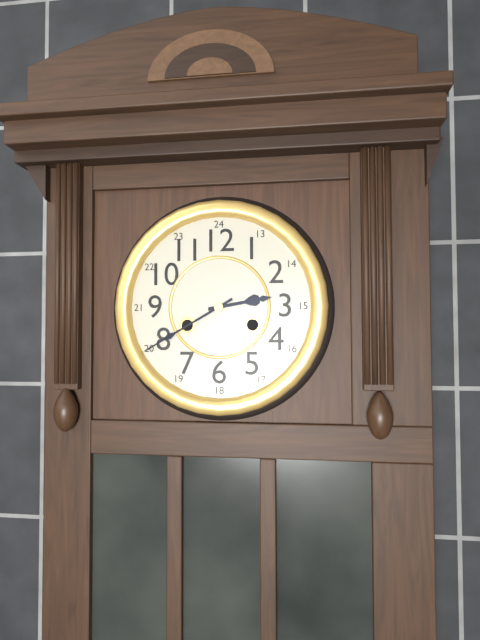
2:40
